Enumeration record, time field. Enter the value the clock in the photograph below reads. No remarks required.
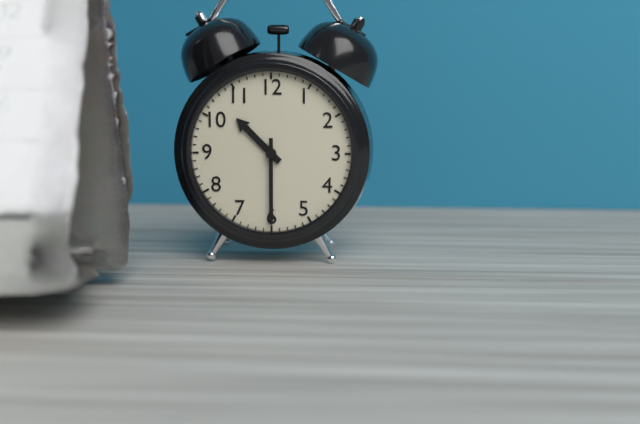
10:30
